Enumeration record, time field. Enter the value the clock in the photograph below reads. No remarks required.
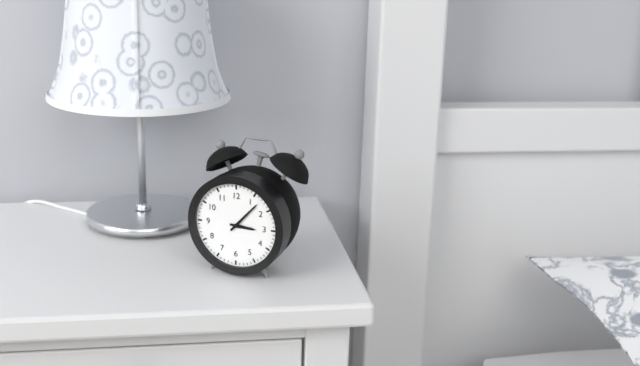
3:07
